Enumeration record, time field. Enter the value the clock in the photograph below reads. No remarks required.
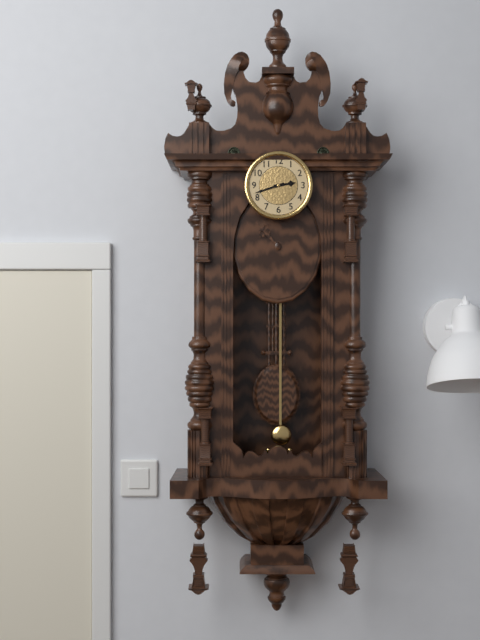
2:42
